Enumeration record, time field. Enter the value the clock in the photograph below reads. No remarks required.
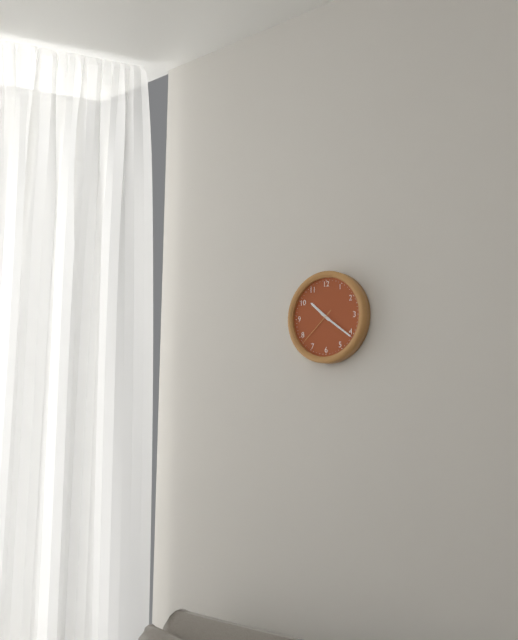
10:21
